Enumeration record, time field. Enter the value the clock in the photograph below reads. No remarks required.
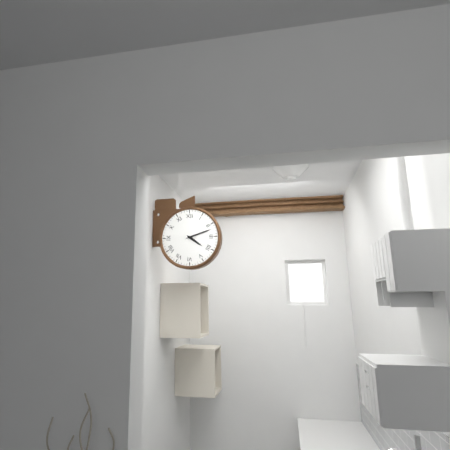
4:12
